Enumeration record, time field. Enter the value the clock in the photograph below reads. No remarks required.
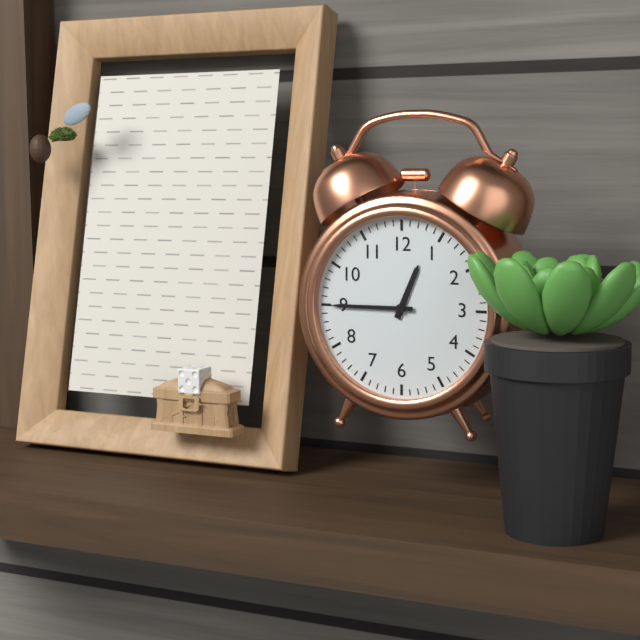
12:45
